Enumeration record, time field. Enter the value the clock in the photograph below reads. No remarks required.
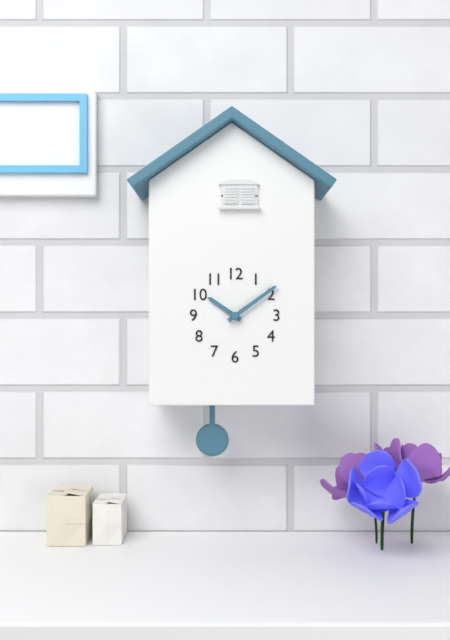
10:09
